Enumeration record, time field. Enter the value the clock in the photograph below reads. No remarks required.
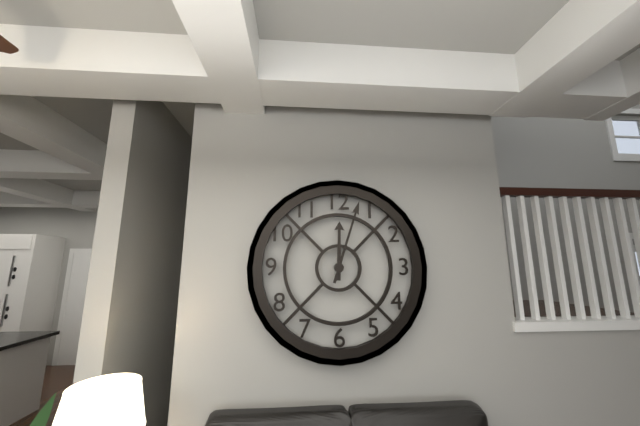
12:03
